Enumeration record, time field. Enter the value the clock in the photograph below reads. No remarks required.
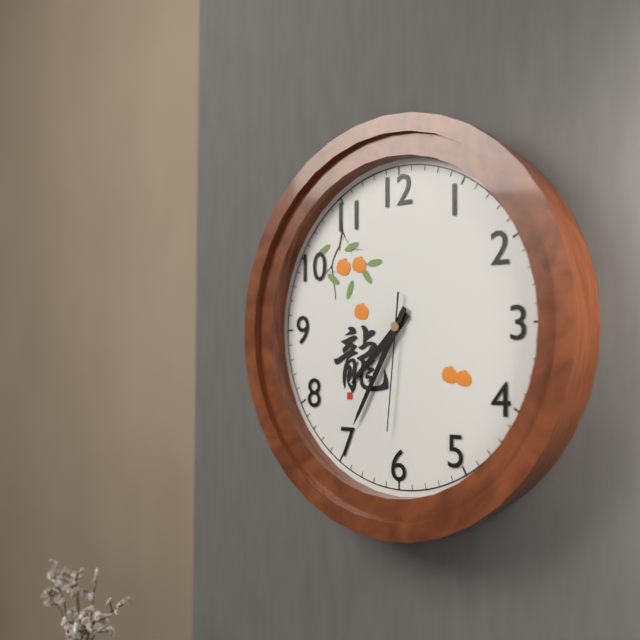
7:35:31
